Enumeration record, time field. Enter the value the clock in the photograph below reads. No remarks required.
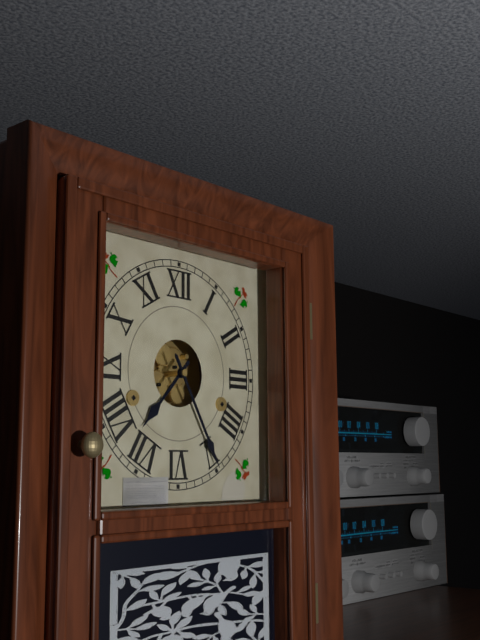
7:25
